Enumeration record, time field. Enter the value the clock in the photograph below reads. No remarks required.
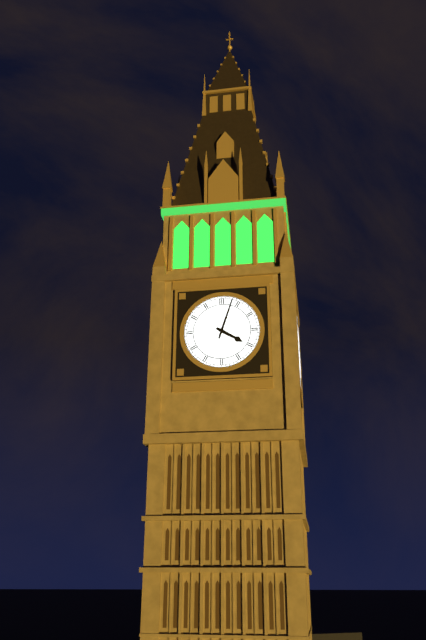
4:03
